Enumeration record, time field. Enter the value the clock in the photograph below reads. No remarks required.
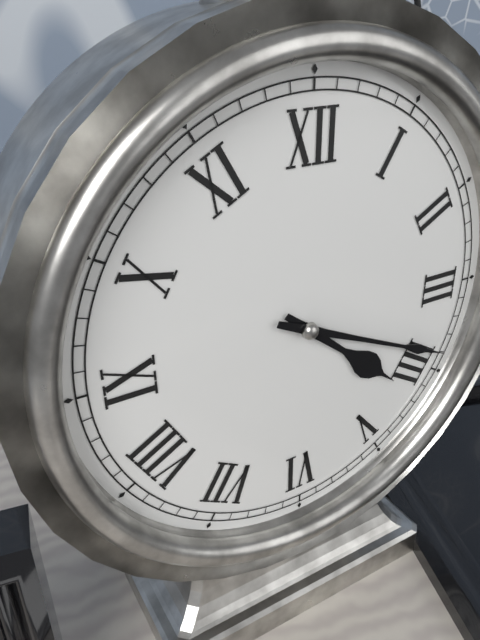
4:19
